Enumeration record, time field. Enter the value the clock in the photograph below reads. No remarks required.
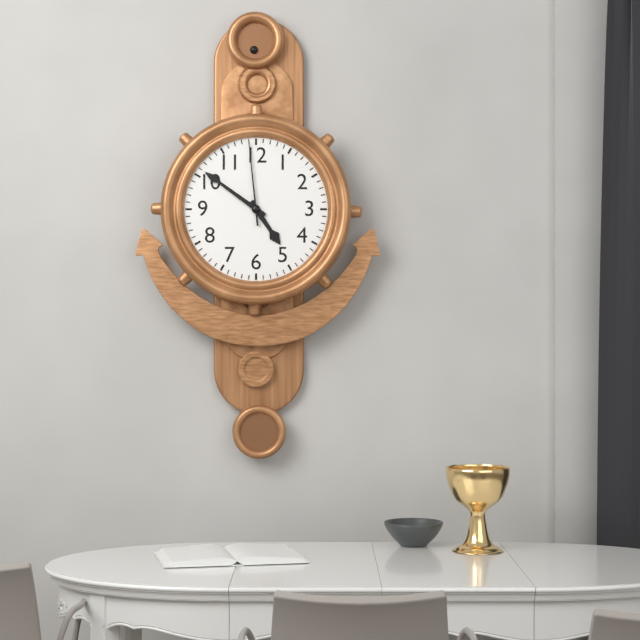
4:51:59
